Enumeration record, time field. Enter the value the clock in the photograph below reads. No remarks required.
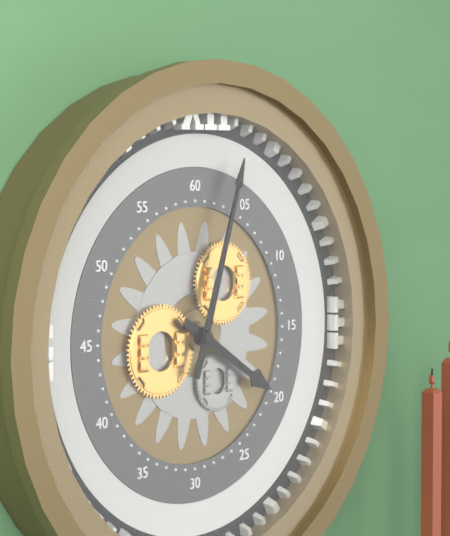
4:03
